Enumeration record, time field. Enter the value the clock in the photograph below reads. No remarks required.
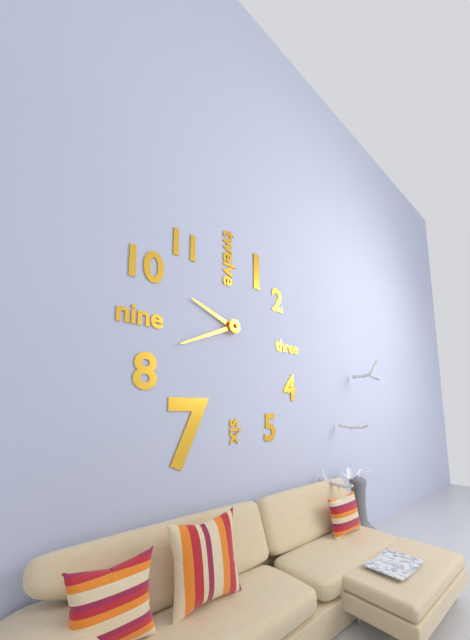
9:41
